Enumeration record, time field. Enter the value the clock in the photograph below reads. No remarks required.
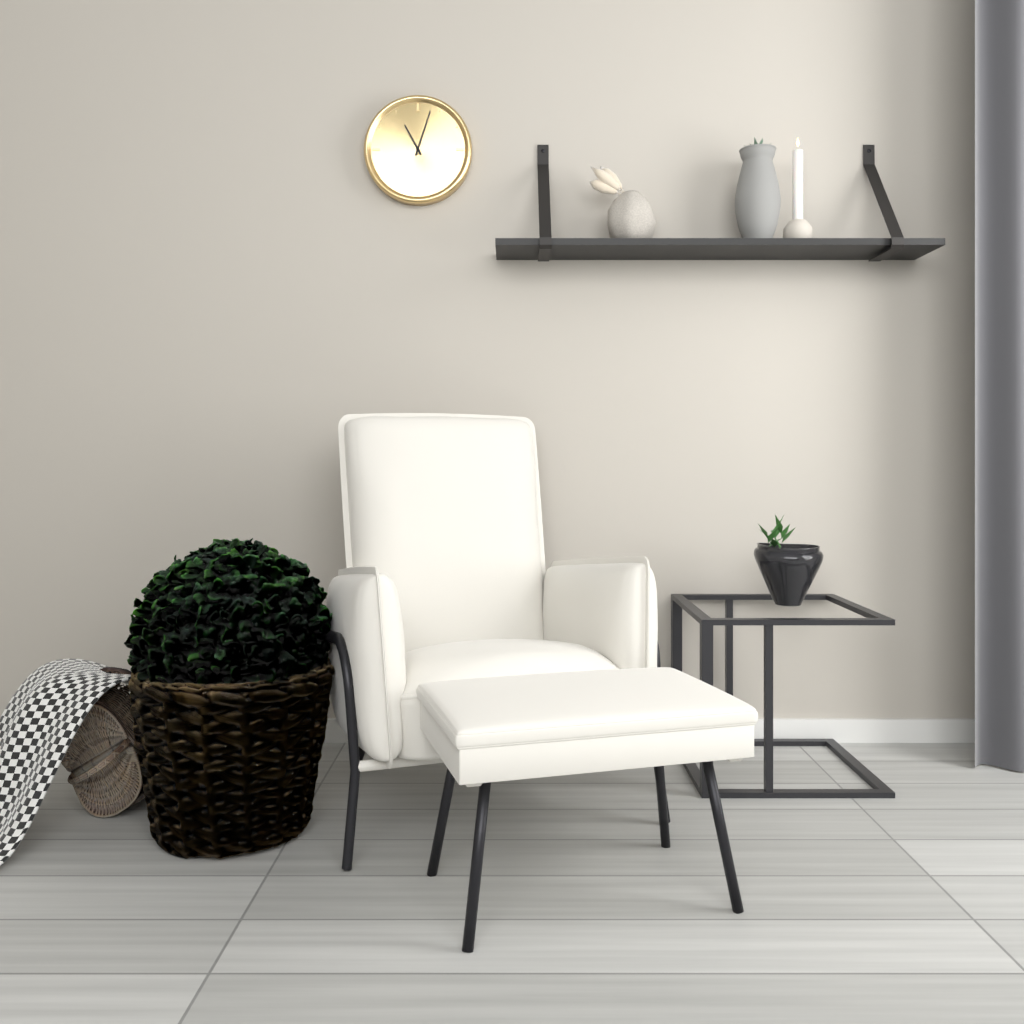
11:03
